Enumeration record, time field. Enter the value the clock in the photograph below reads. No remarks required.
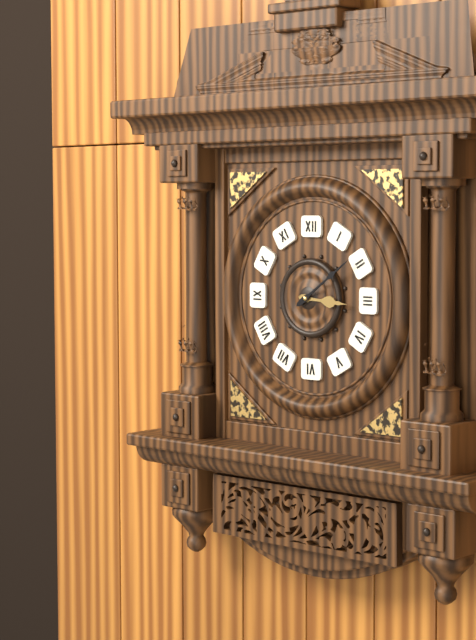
3:09
